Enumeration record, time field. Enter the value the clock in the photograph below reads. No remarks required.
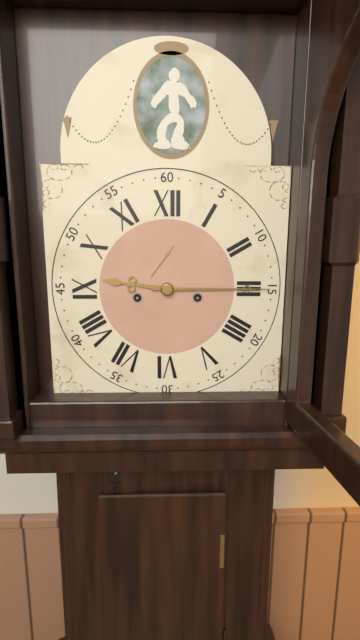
9:15
